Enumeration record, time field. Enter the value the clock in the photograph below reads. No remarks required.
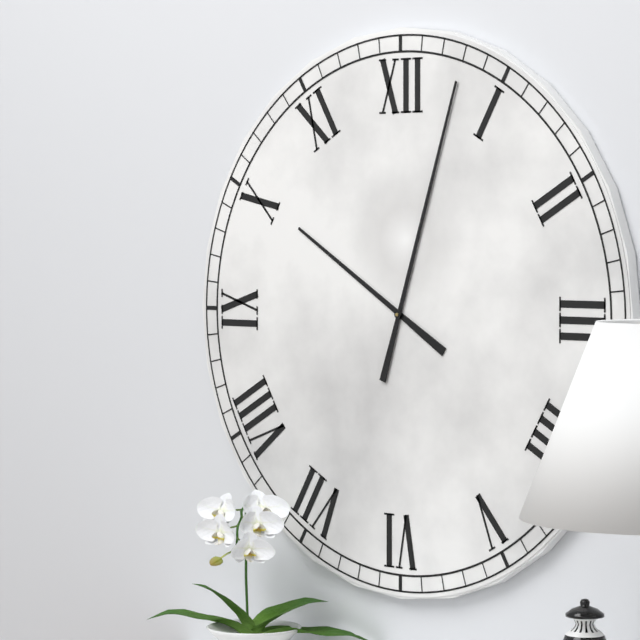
10:03
